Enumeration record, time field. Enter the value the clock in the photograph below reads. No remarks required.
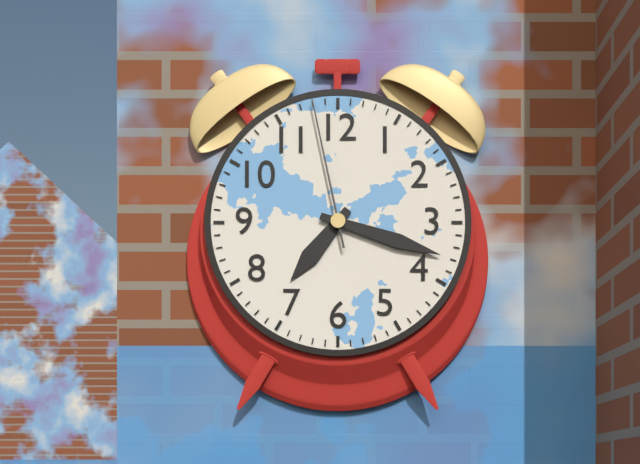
7:18:58
